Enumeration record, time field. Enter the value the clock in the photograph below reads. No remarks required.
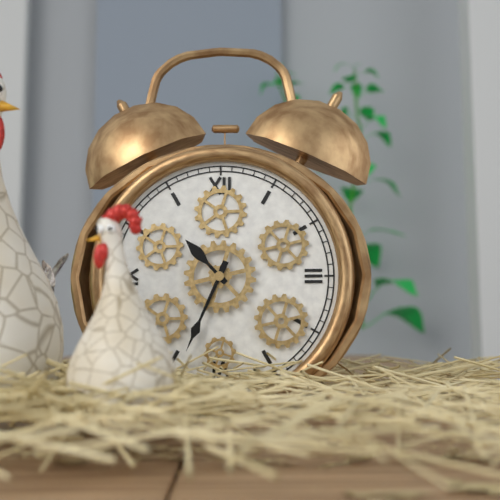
10:34
